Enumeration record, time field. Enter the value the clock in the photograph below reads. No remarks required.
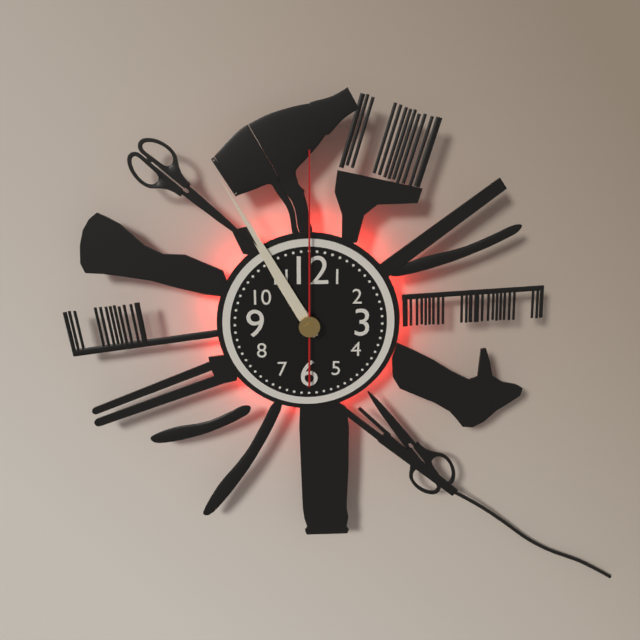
10:55:00
